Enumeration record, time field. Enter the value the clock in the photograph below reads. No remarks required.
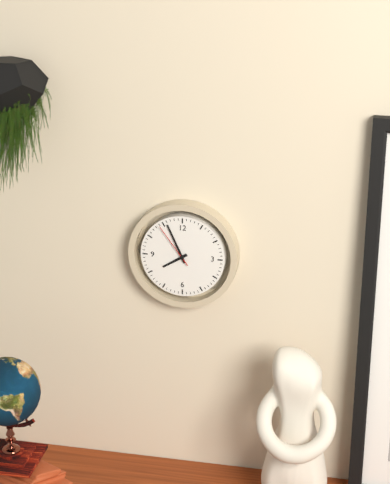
7:56
